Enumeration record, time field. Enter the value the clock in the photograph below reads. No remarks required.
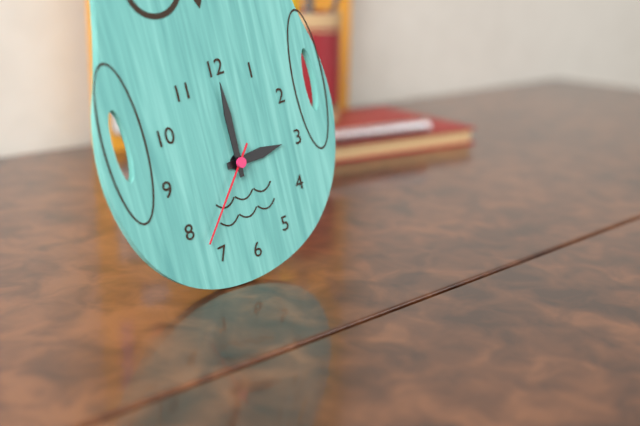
3:00:37
